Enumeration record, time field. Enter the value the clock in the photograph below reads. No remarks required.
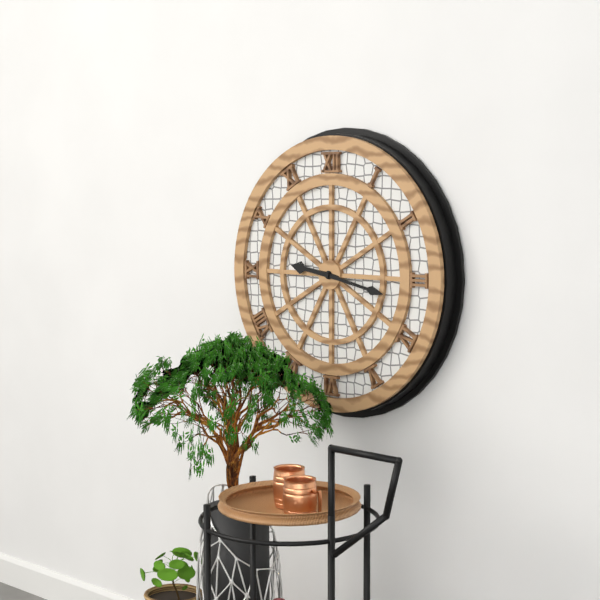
9:17
